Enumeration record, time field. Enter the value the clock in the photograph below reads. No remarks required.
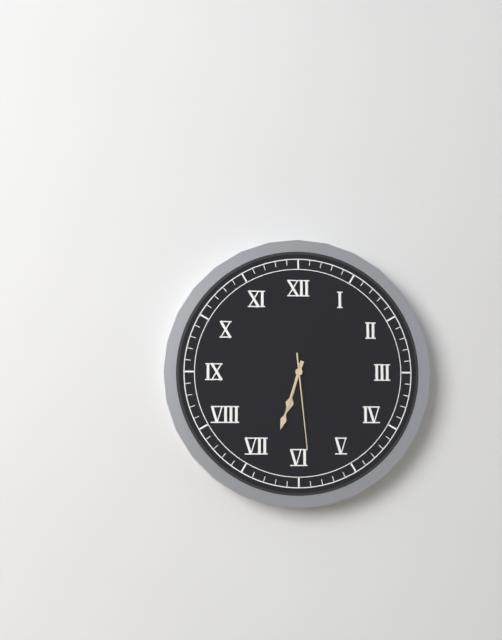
6:33:29
